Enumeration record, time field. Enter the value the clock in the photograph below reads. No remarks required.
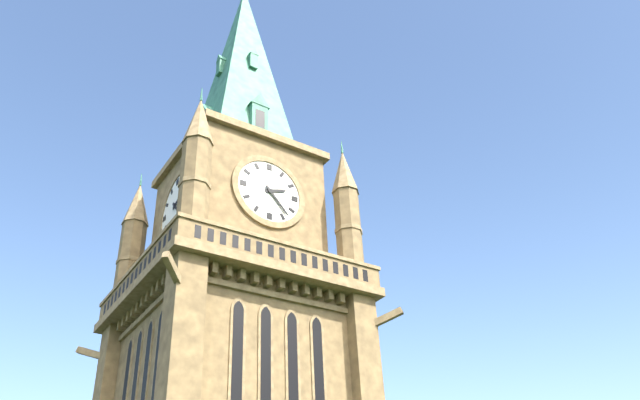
2:23
